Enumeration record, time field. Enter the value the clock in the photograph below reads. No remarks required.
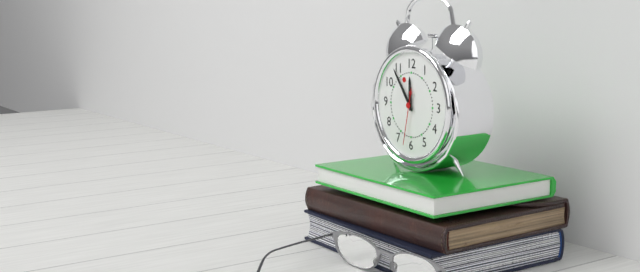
11:54:32
